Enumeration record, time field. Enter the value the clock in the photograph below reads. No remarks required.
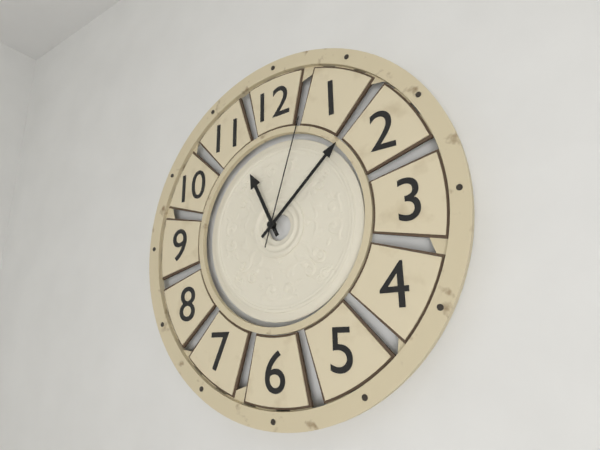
11:08:03
